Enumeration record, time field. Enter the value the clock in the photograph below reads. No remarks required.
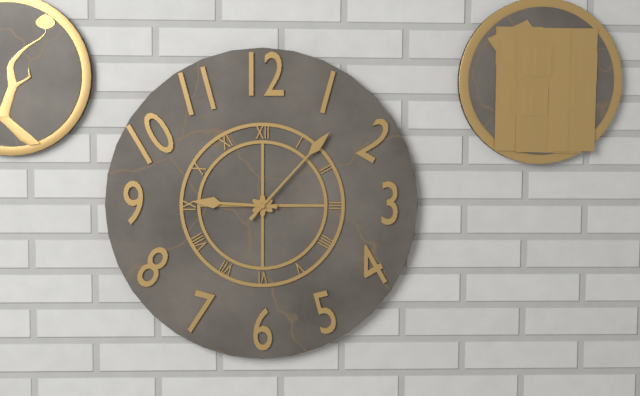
9:07
